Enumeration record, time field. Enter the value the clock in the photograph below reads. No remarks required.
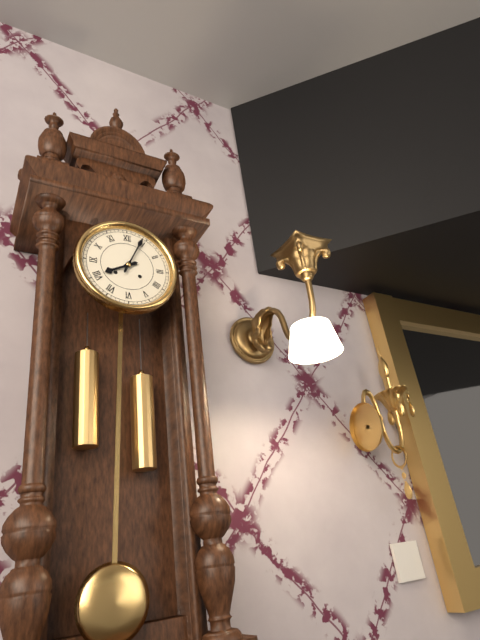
8:04
